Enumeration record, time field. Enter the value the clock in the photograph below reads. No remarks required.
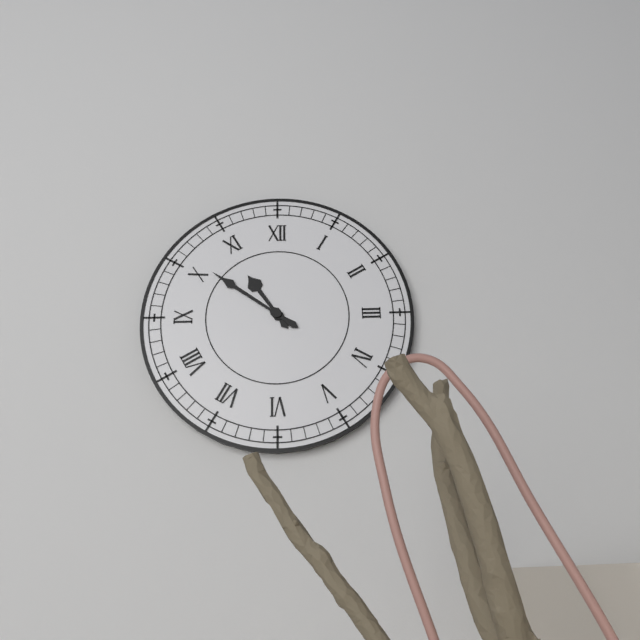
10:51
